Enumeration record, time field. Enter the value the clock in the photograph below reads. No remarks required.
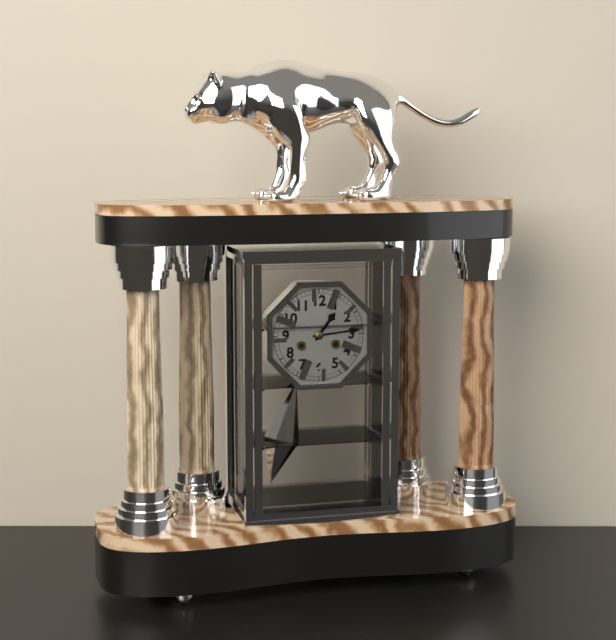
1:14
